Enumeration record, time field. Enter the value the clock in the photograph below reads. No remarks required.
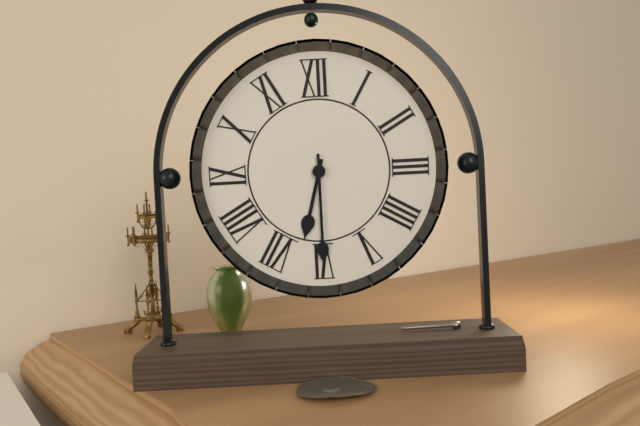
6:30
